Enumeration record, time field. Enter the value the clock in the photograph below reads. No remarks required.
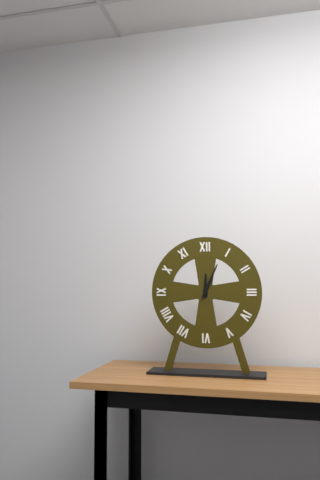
12:04
